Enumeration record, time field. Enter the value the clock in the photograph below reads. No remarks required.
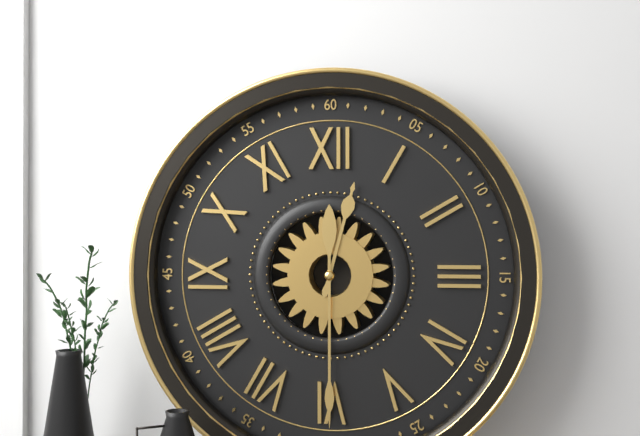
12:30
